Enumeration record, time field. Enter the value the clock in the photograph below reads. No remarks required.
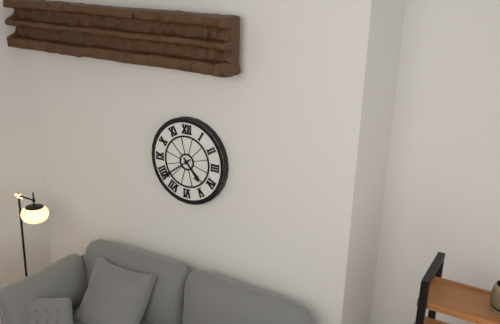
4:39
